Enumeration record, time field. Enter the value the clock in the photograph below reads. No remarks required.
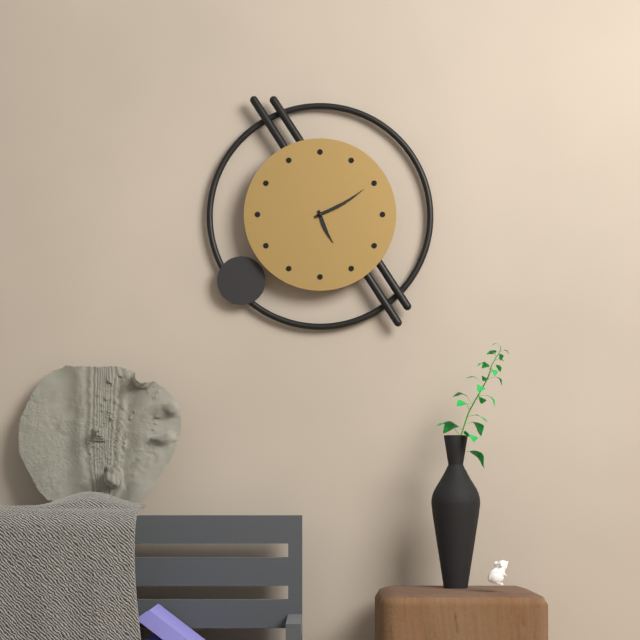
5:10
